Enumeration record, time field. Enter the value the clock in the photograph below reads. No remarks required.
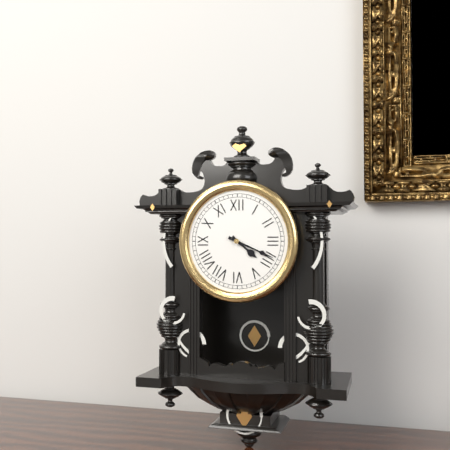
4:19
